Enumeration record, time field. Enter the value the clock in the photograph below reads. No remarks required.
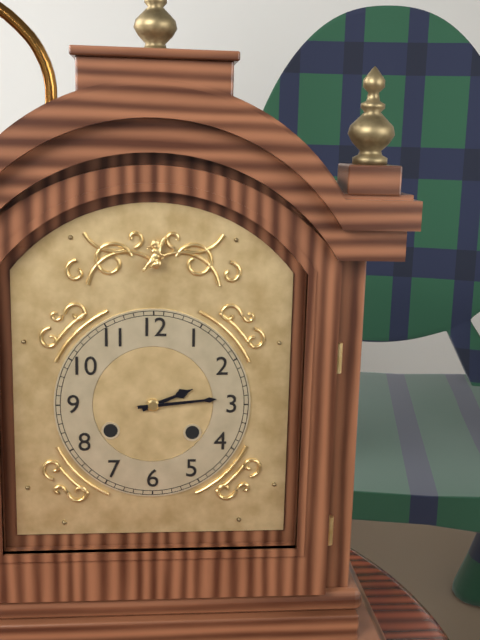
2:14
